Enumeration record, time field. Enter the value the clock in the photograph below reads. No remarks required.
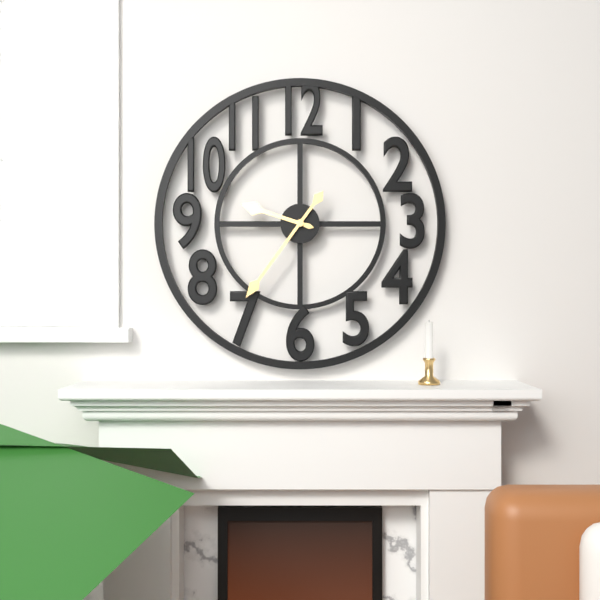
9:36
